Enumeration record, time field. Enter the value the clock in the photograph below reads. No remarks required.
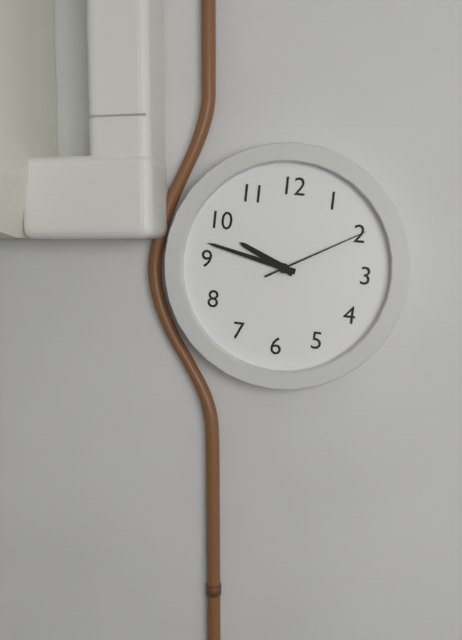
9:47:10
